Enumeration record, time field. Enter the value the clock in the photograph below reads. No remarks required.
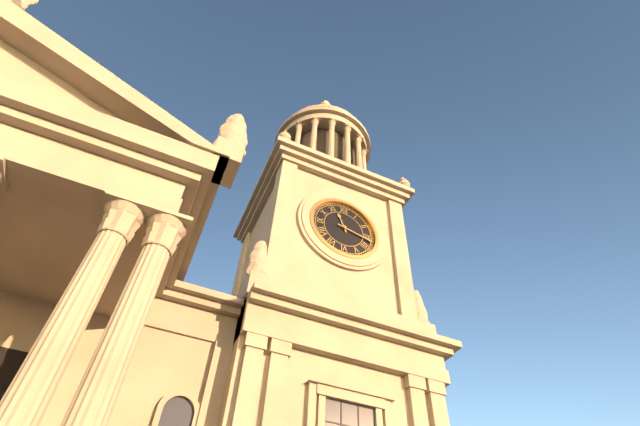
11:17
